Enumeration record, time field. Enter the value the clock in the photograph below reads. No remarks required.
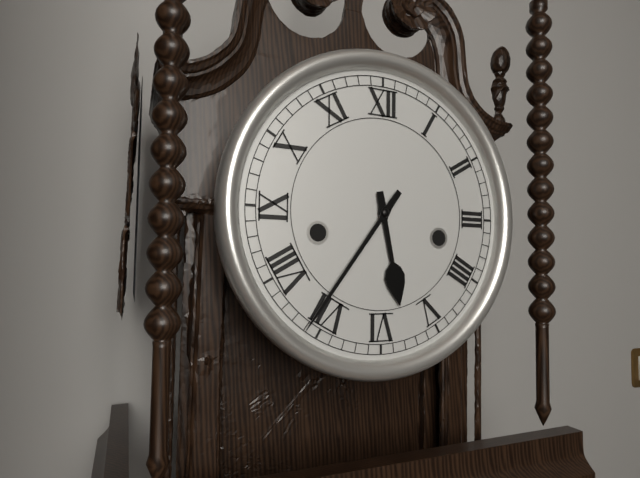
5:36
